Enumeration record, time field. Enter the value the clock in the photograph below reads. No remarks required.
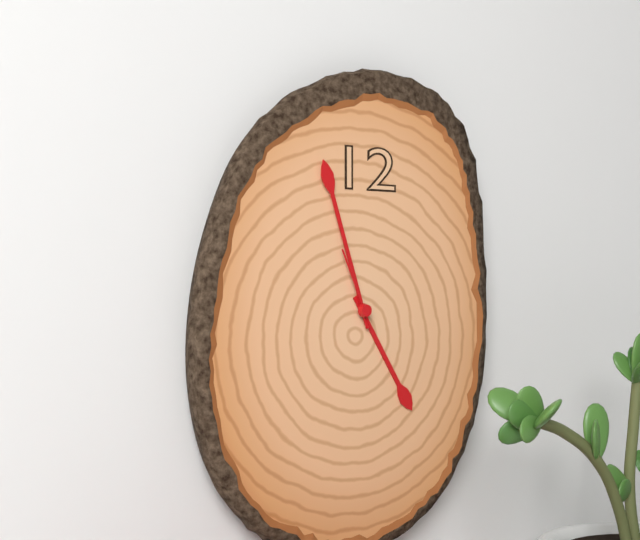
4:57:56
